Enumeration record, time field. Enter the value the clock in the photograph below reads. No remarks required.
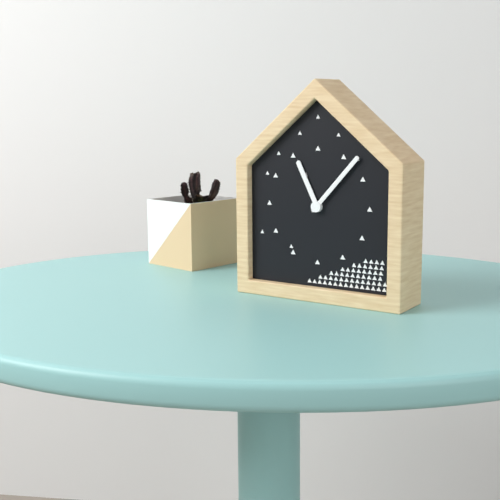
11:07
